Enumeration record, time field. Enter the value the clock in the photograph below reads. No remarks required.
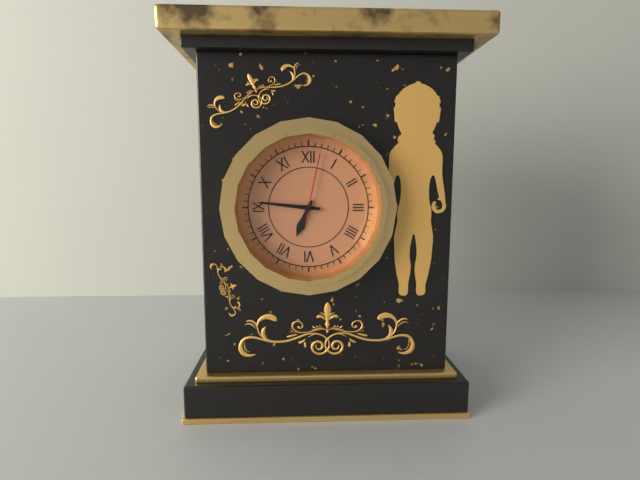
6:46:02
